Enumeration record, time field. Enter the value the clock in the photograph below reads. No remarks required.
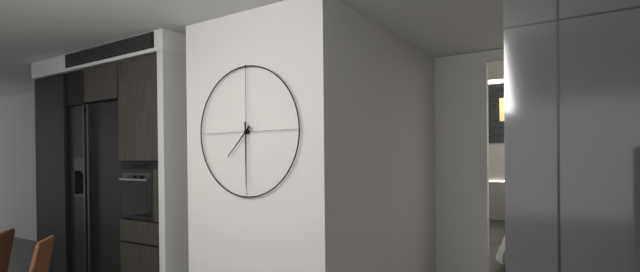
7:30
